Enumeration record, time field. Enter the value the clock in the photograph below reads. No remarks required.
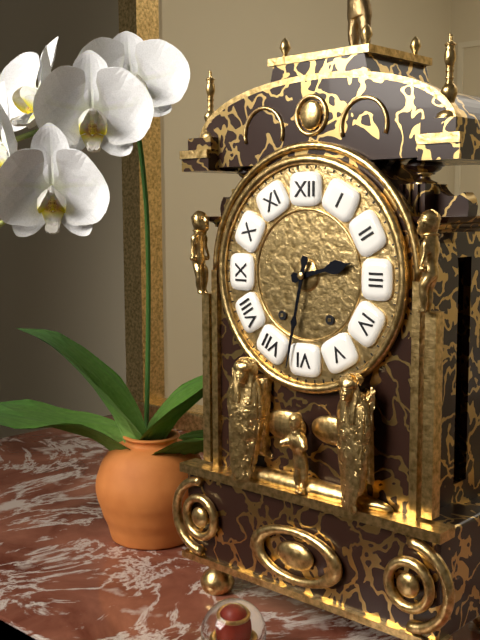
2:32
